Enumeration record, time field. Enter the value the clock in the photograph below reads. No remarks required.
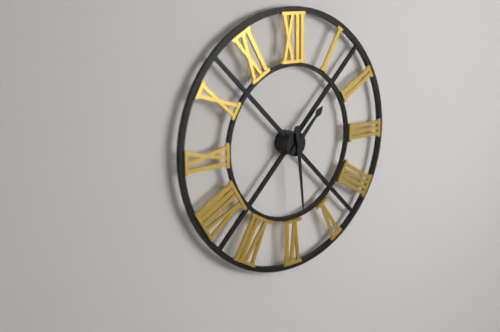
1:29
